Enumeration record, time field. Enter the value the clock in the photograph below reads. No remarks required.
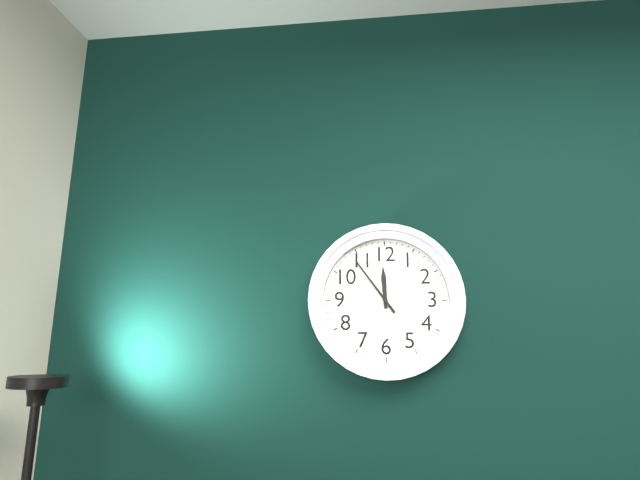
11:54
